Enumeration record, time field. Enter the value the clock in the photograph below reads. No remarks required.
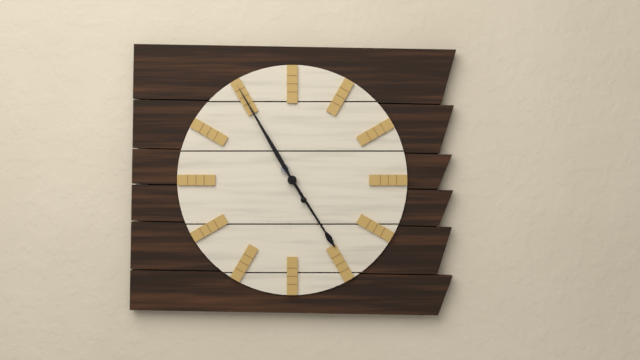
4:55
